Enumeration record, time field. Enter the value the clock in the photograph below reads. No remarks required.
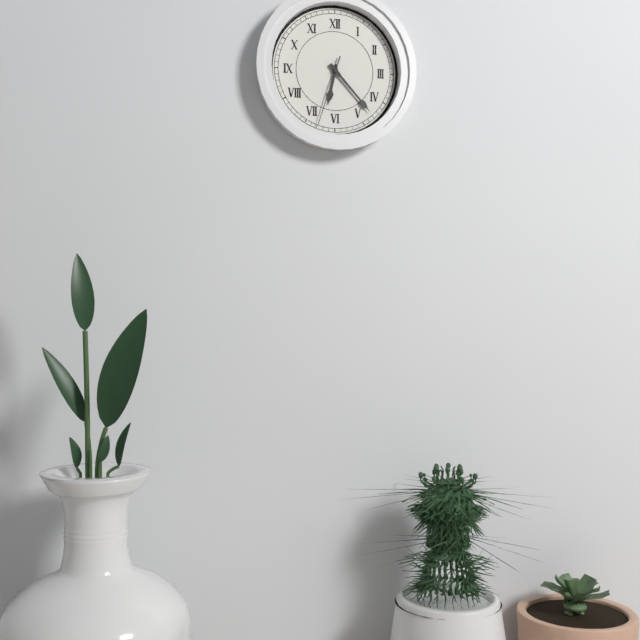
6:23:33
